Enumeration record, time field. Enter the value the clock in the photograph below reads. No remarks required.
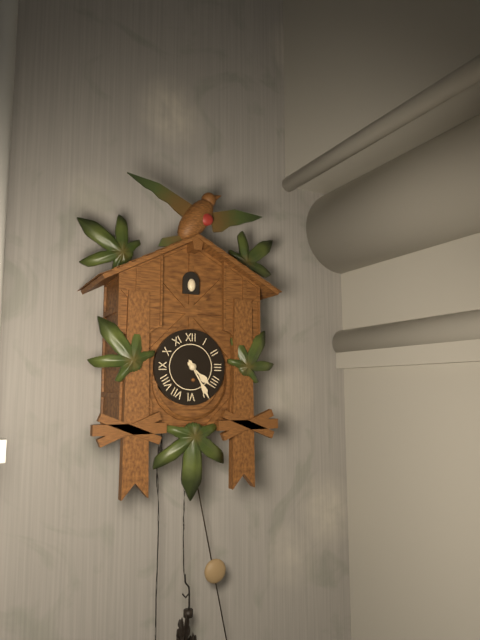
4:25
